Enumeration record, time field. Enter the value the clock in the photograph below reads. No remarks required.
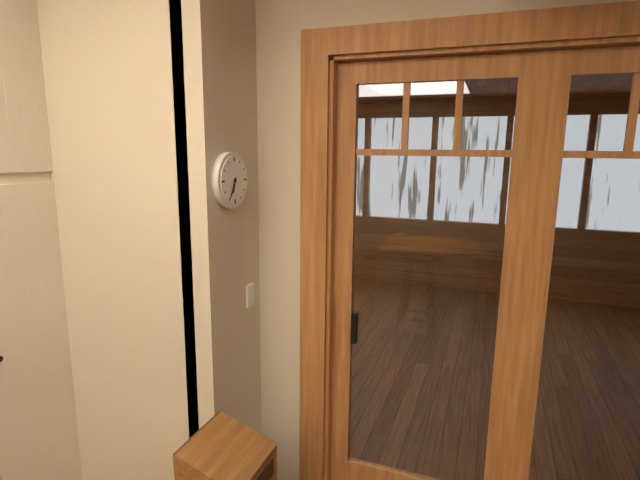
6:35
